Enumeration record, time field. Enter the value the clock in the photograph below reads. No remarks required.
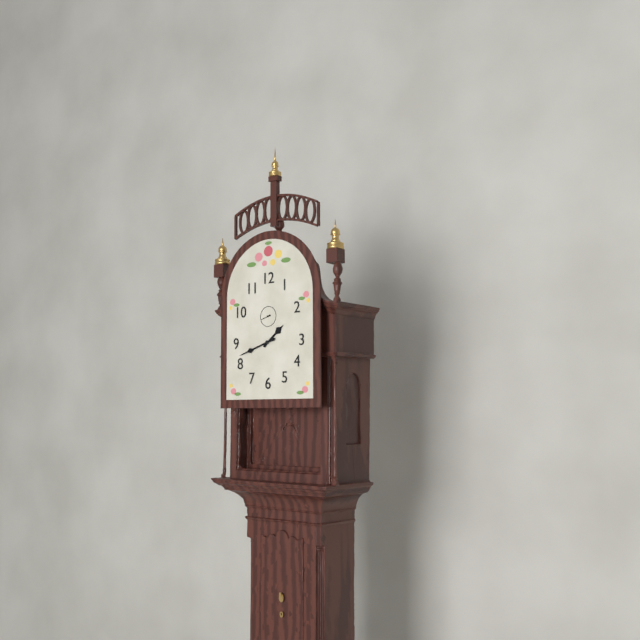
1:42
